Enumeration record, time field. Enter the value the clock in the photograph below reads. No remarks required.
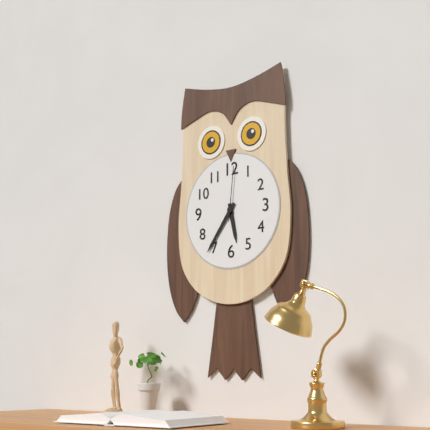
5:36:01
